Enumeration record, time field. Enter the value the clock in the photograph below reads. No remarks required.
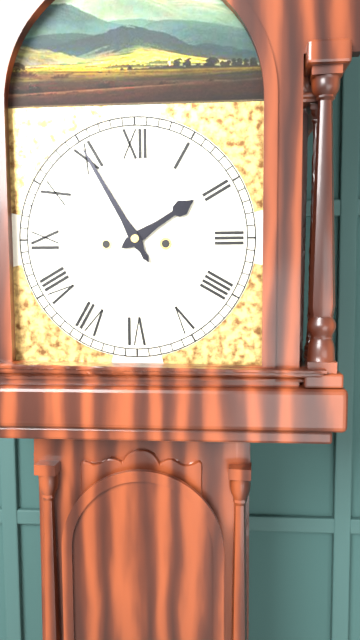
1:55
